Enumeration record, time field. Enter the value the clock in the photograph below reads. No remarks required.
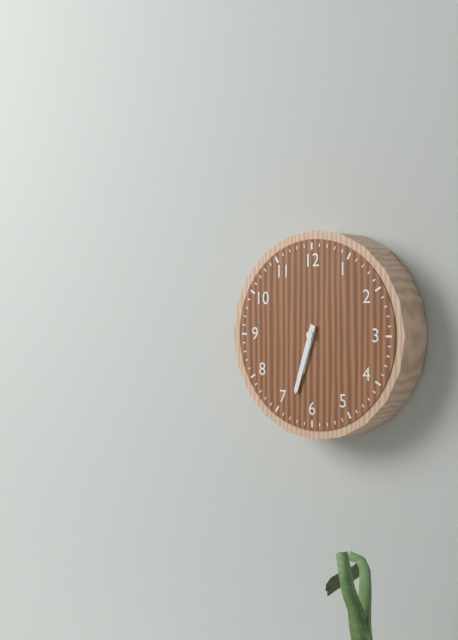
6:33
